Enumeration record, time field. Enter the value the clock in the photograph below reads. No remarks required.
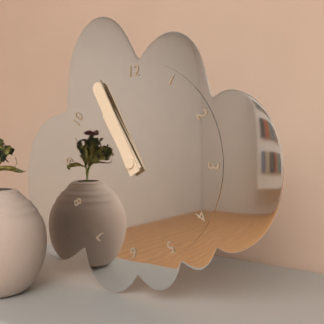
10:55
